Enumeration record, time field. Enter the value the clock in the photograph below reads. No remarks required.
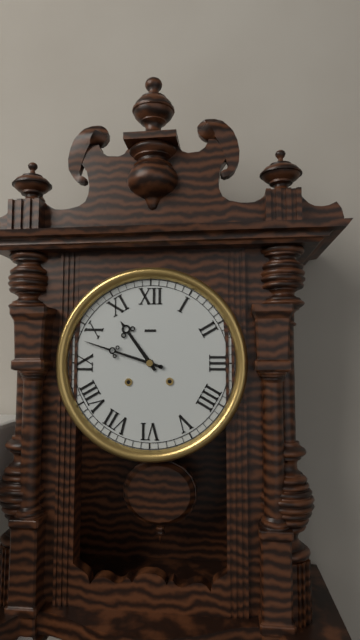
10:48
